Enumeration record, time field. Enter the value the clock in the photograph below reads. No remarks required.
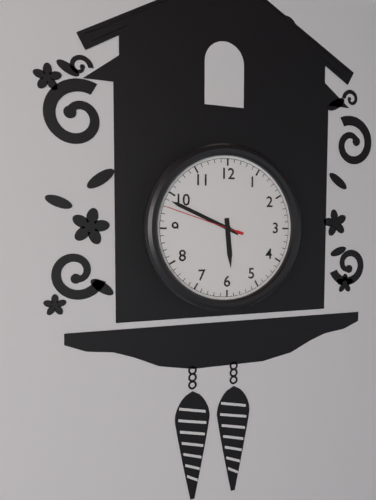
5:49:48
